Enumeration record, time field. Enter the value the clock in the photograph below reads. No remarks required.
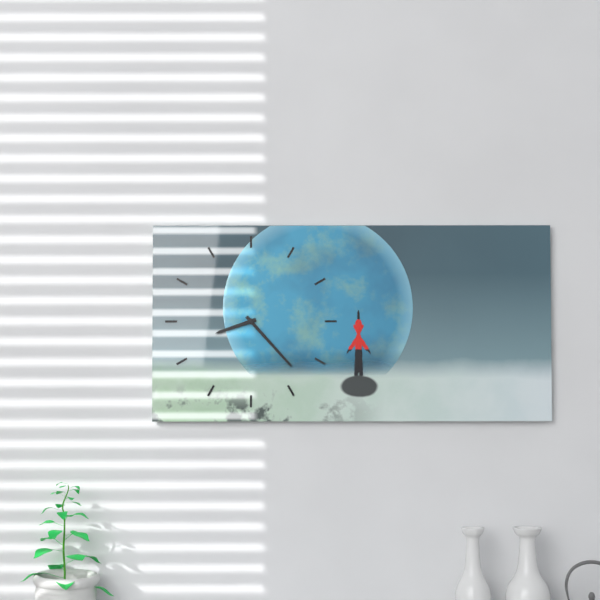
8:23
